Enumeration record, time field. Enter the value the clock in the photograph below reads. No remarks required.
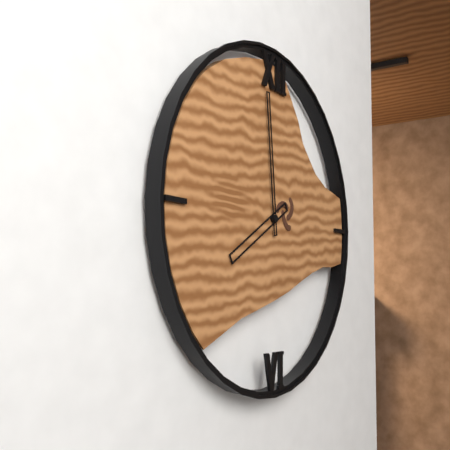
7:59
